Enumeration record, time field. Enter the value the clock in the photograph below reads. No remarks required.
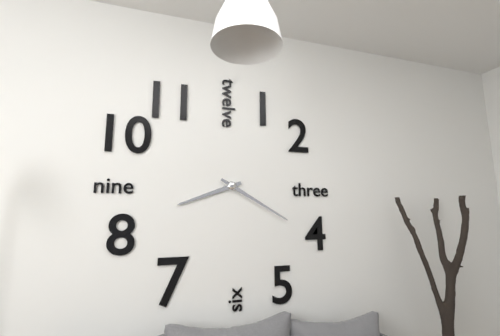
8:20
